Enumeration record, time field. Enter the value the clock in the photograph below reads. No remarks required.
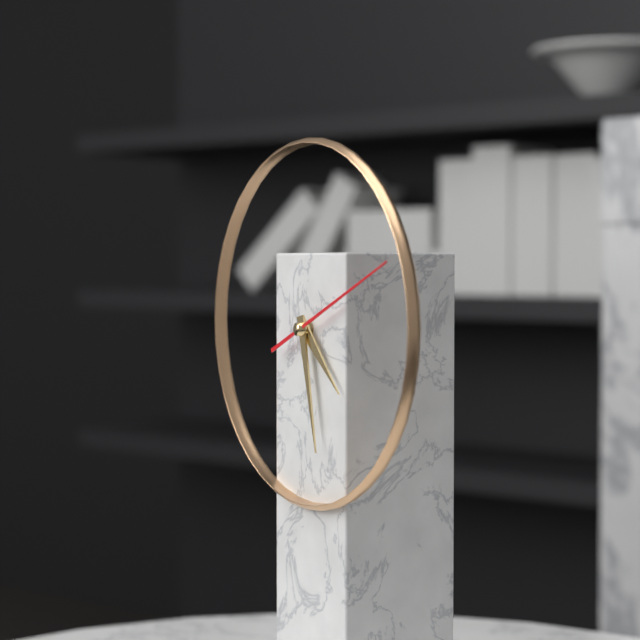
4:28:11
